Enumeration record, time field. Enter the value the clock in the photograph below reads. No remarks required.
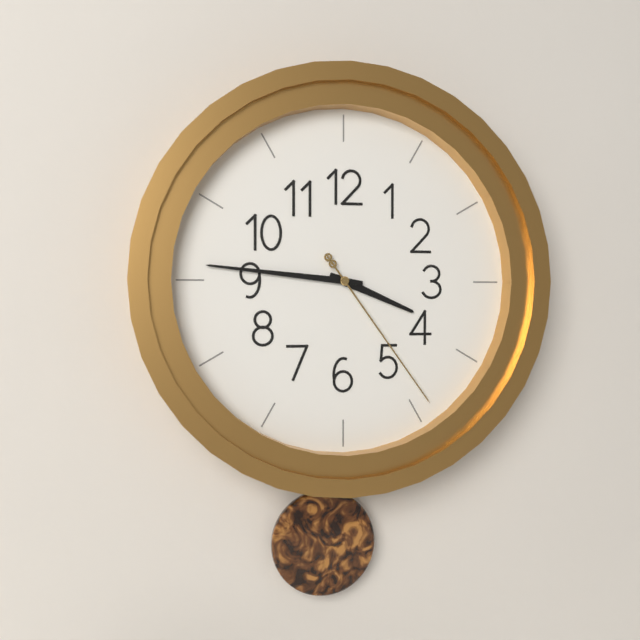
3:46:24
